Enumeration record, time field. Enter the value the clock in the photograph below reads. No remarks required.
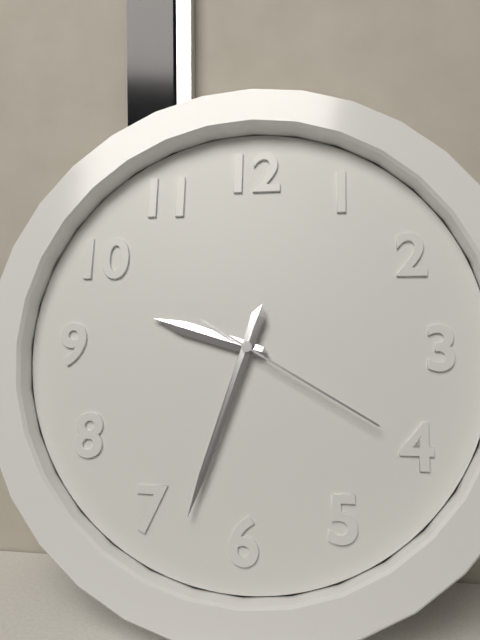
9:33:20
